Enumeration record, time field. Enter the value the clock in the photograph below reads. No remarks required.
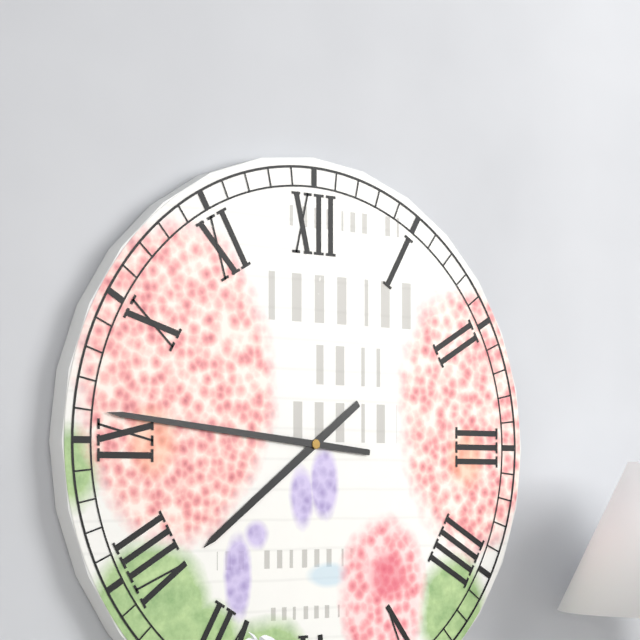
7:46
